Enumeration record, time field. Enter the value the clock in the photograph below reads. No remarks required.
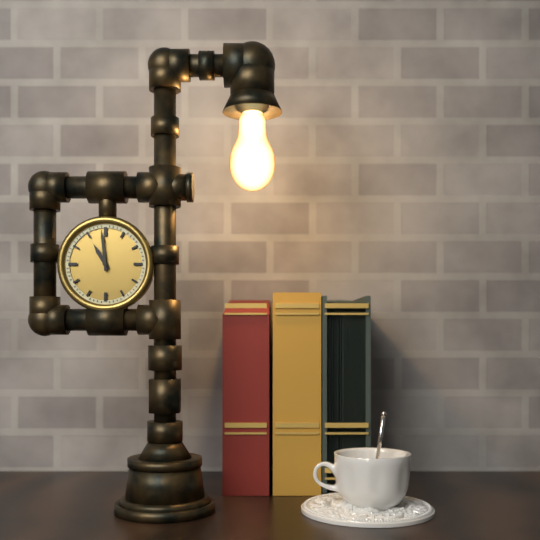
10:59
